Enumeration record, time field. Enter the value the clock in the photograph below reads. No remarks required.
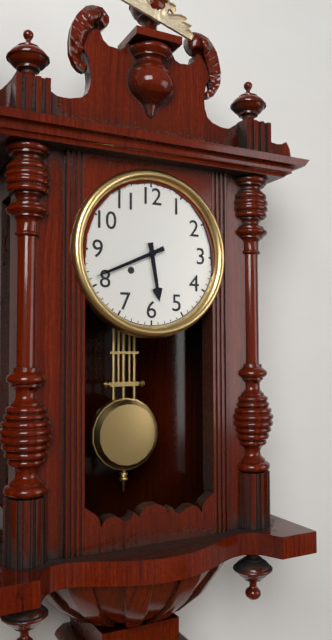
5:41
